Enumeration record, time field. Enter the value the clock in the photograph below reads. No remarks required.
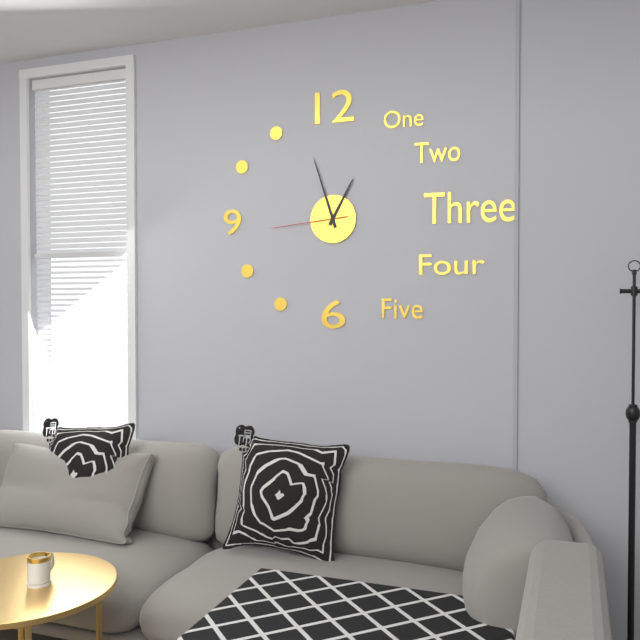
12:57:44
